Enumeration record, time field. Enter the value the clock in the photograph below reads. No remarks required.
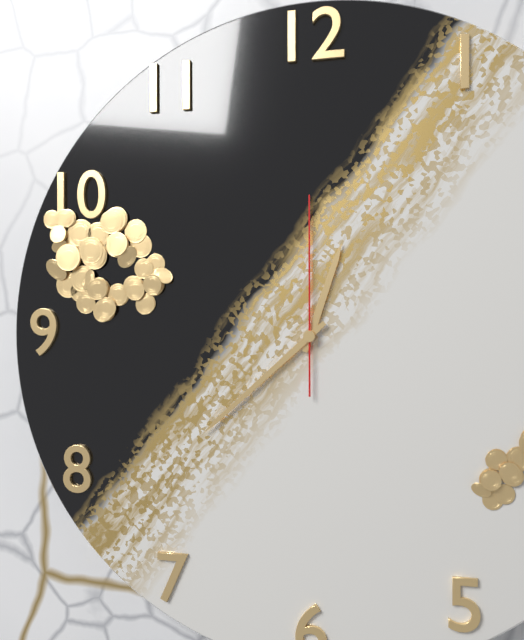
12:38:00
